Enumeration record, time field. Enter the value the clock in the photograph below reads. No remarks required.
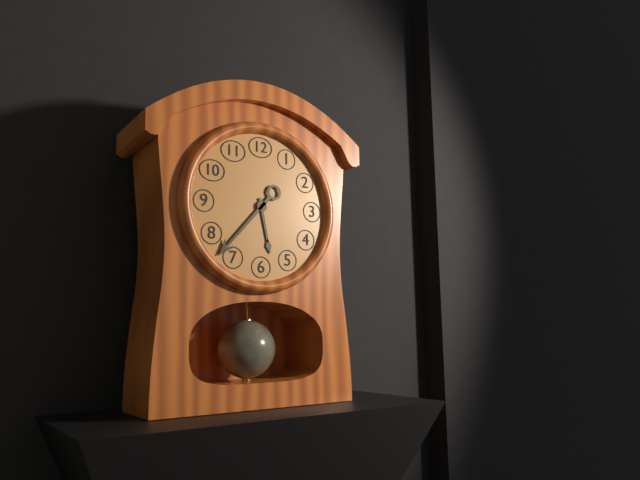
5:37
